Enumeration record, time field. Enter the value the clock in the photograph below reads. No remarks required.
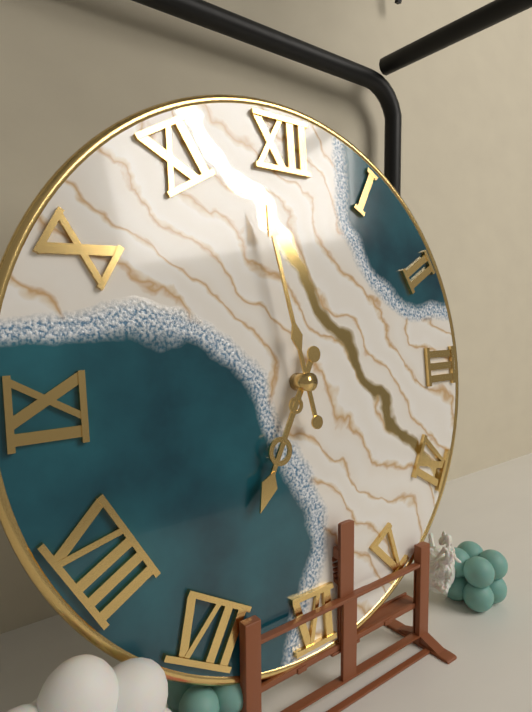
6:58
